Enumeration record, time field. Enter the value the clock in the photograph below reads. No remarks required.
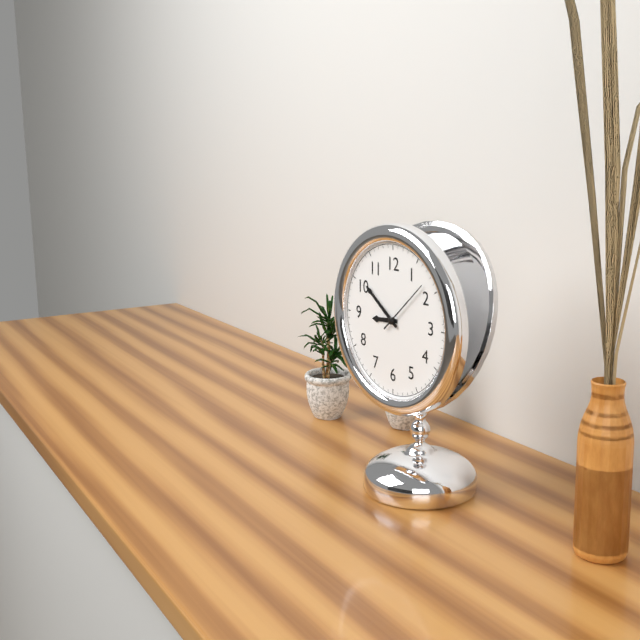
8:51:08
